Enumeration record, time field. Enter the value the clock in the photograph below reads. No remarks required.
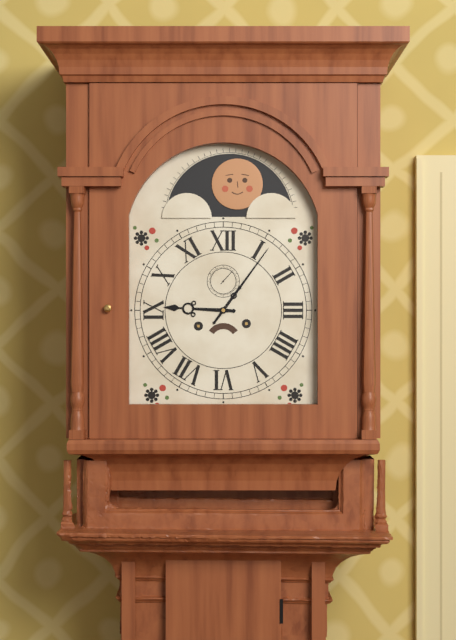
9:06
